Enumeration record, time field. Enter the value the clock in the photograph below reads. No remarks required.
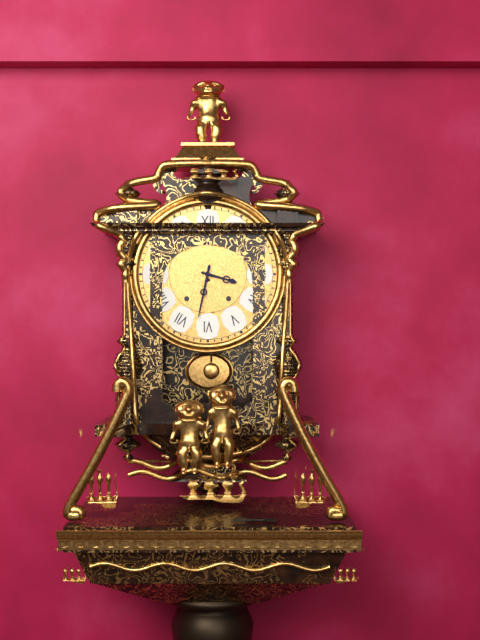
3:32
